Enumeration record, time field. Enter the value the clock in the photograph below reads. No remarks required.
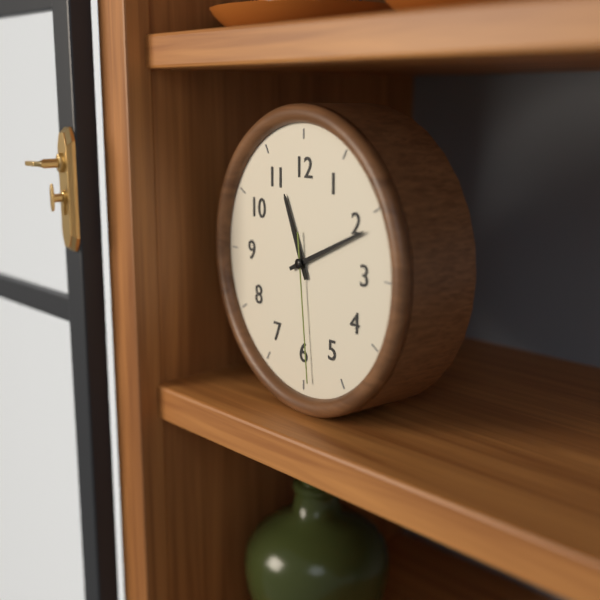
11:11:29
